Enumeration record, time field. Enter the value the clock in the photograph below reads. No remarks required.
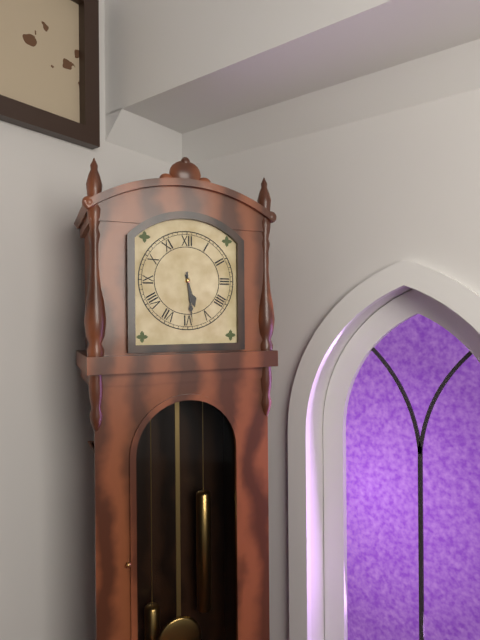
5:29
